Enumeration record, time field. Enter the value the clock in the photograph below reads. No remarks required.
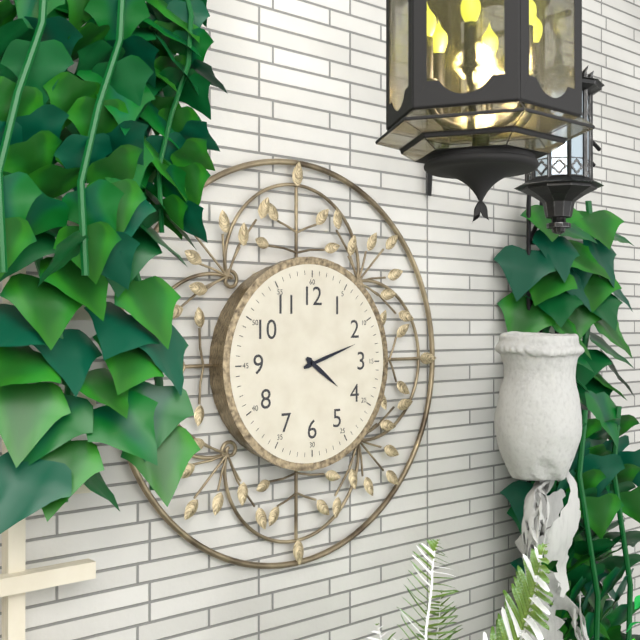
4:12
